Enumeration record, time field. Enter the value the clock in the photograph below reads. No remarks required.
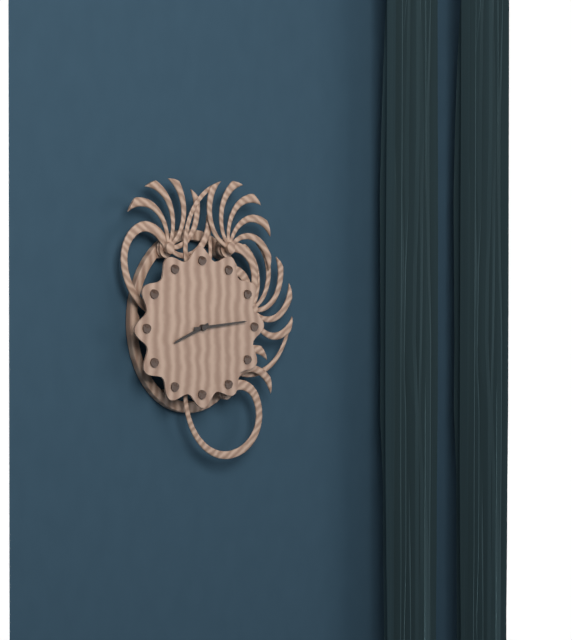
8:14
